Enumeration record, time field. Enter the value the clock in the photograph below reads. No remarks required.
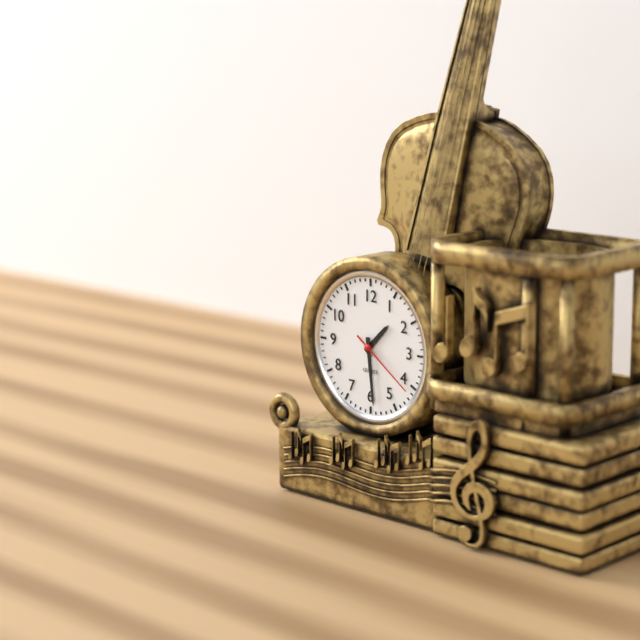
1:29:21
